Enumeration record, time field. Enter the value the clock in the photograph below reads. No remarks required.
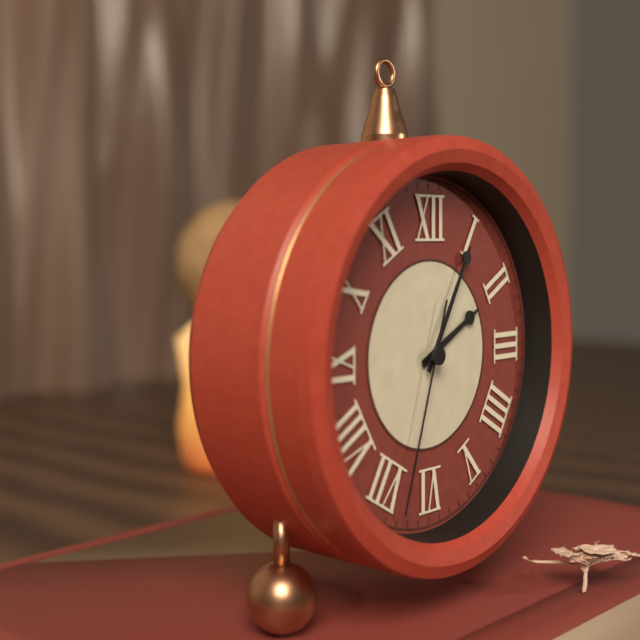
2:05:33
